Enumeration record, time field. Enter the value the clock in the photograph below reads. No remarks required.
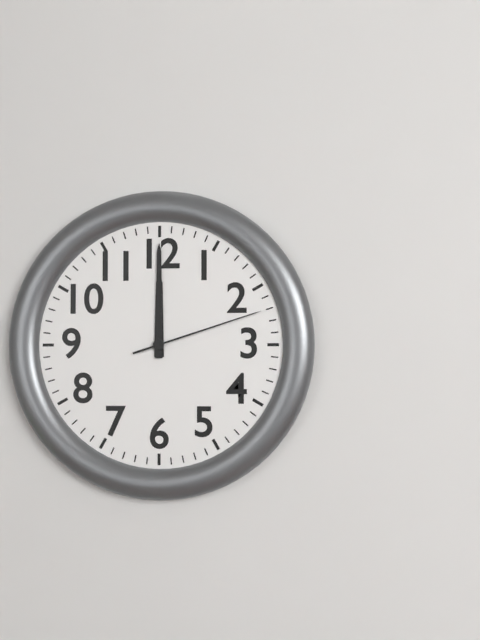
12:00:12
